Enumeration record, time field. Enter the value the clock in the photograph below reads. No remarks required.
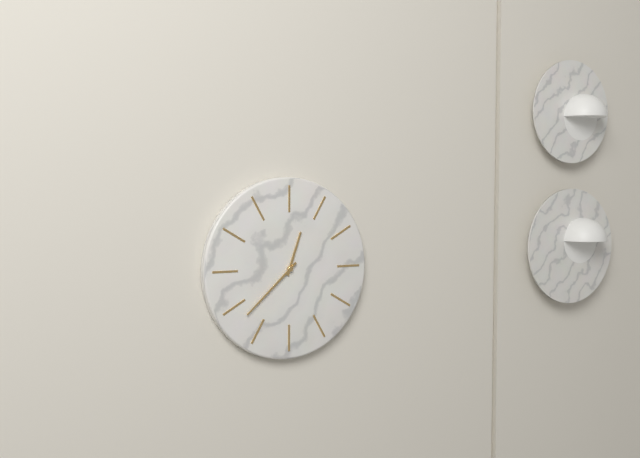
12:38
